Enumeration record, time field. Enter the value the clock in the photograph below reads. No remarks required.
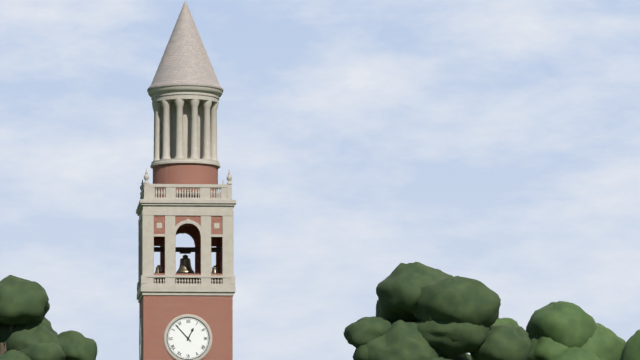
12:53
